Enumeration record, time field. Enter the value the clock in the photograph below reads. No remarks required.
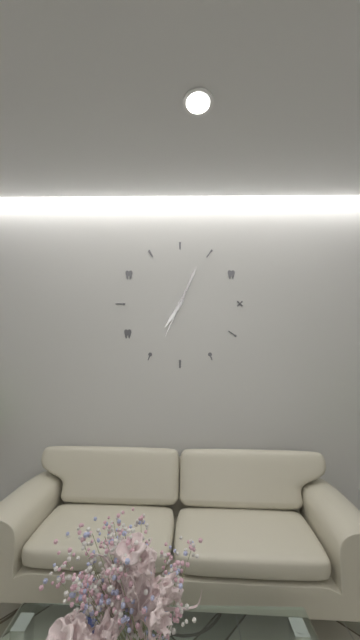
7:04
